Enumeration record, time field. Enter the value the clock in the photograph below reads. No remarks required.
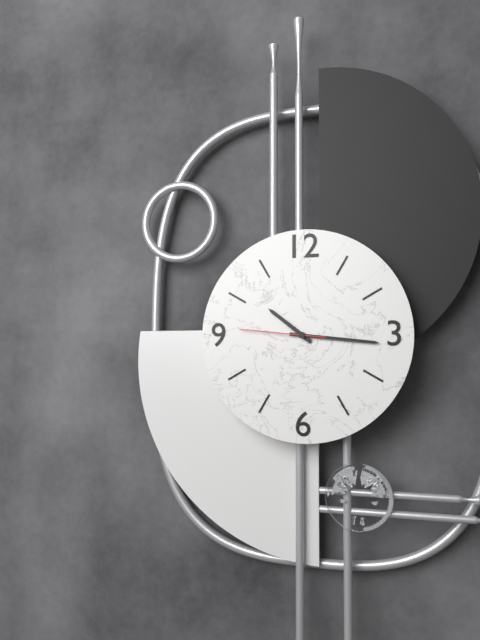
10:16:46
